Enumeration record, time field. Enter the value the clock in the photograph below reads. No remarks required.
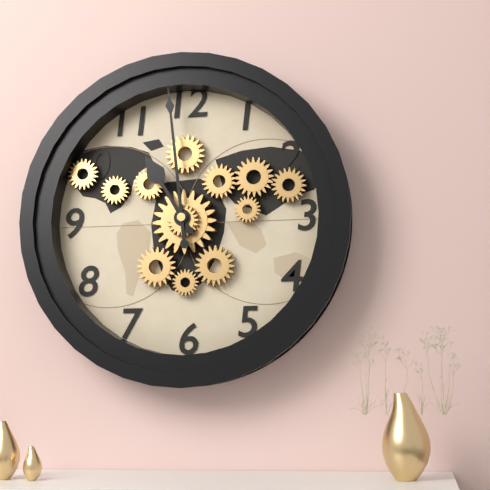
10:59
